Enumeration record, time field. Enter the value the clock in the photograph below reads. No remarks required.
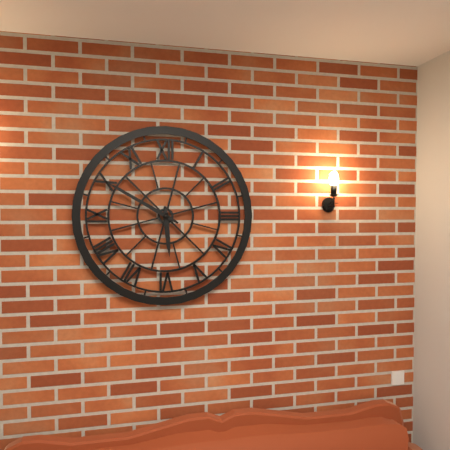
5:50
